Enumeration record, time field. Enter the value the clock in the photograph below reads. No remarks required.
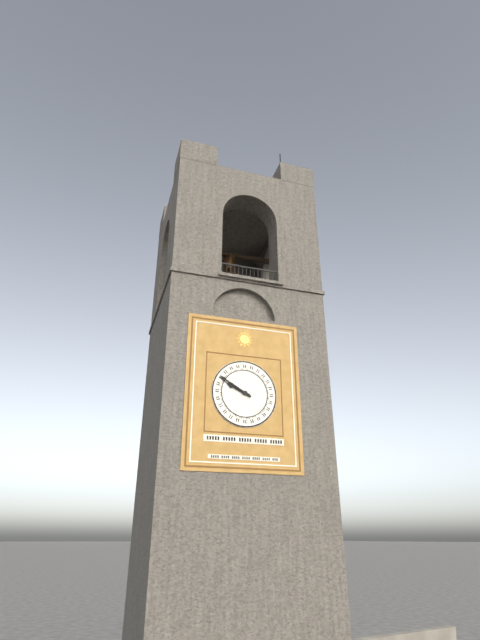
9:50
